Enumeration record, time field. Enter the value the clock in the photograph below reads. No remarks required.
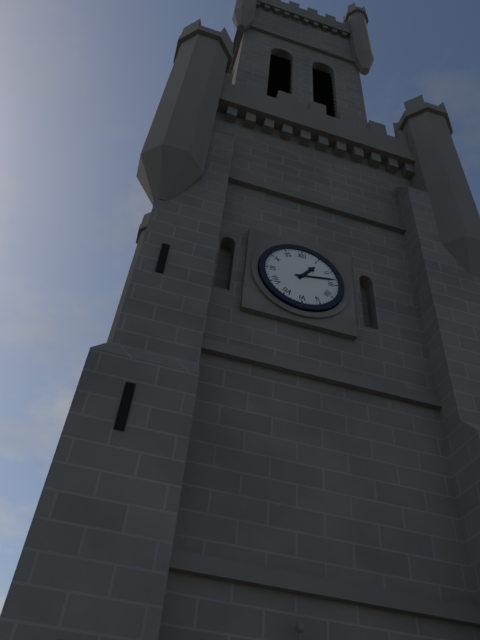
1:13
